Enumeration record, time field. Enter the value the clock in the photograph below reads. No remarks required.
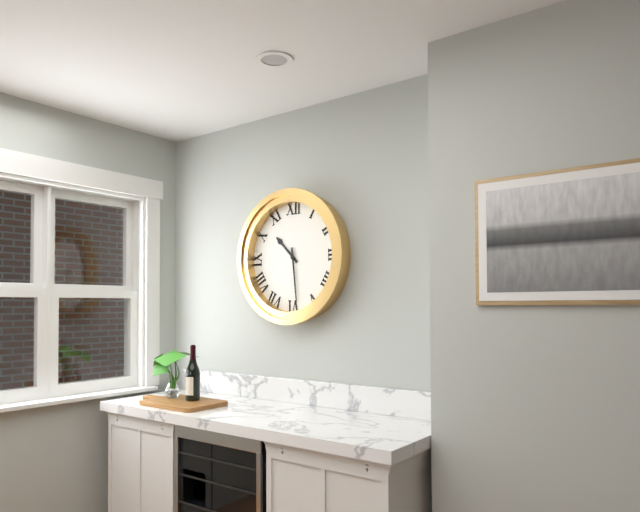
10:29
